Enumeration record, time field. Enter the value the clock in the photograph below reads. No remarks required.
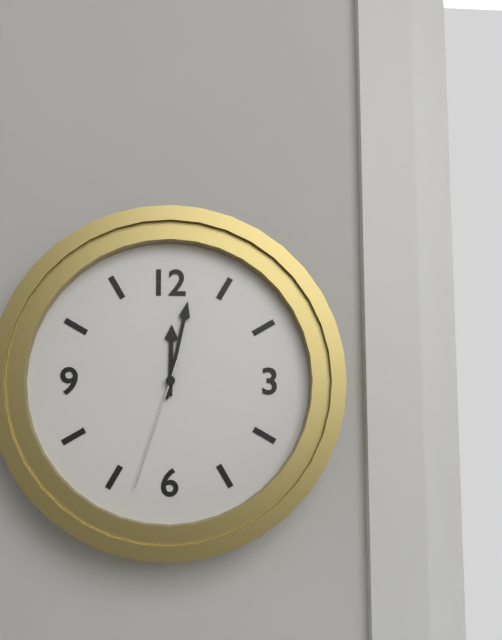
12:02:33
